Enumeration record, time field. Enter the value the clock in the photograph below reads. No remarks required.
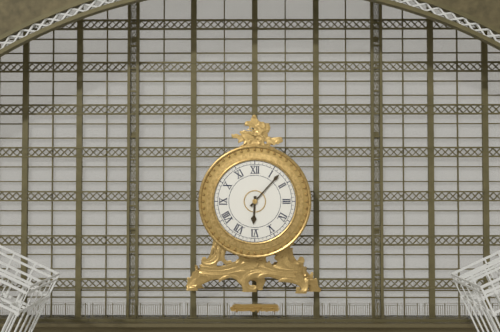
6:07
